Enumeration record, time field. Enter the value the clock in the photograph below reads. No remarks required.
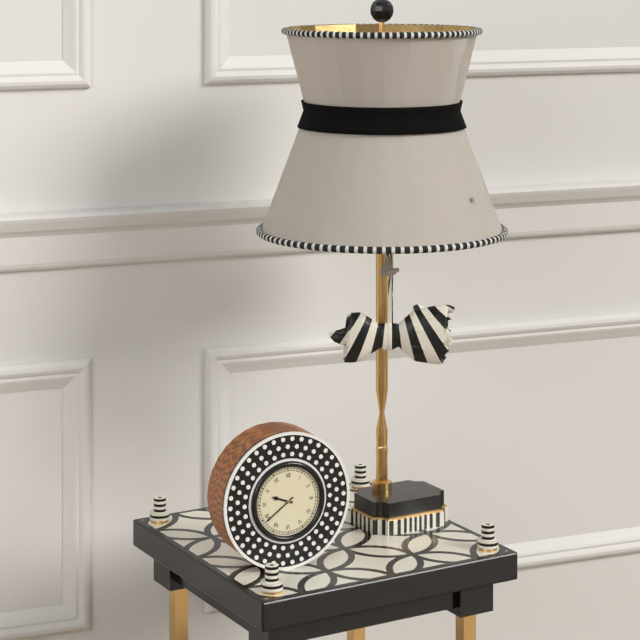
9:39
